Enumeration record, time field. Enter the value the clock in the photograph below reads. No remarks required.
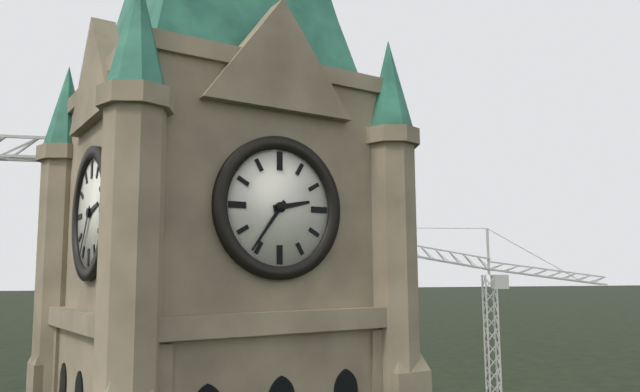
2:36
